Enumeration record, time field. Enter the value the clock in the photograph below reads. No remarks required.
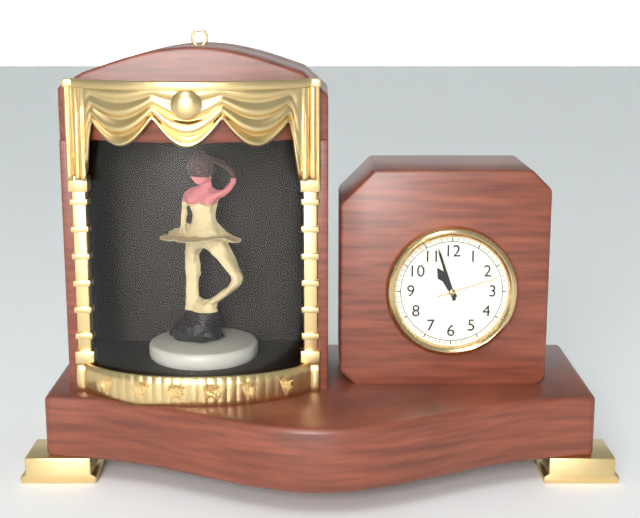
10:57:12
